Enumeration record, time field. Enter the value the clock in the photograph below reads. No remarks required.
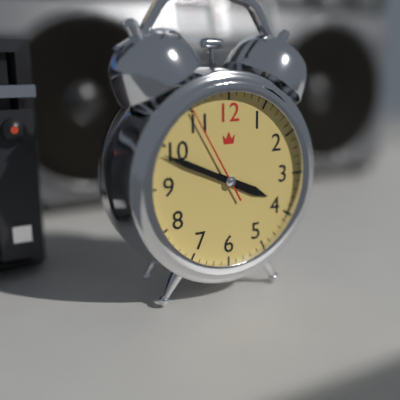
3:49:55
